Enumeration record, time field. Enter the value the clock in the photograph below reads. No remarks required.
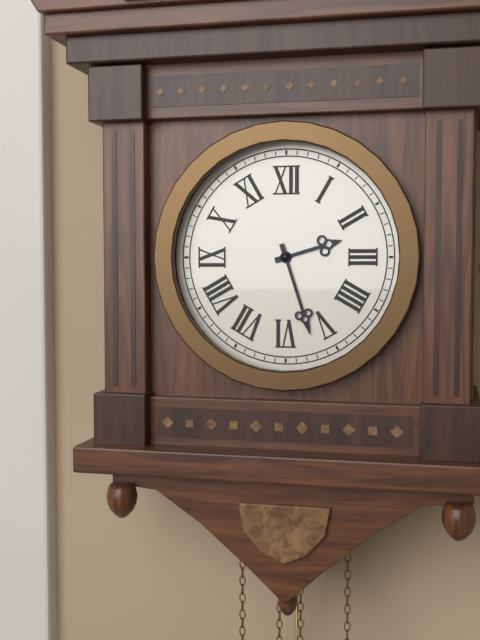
2:27
